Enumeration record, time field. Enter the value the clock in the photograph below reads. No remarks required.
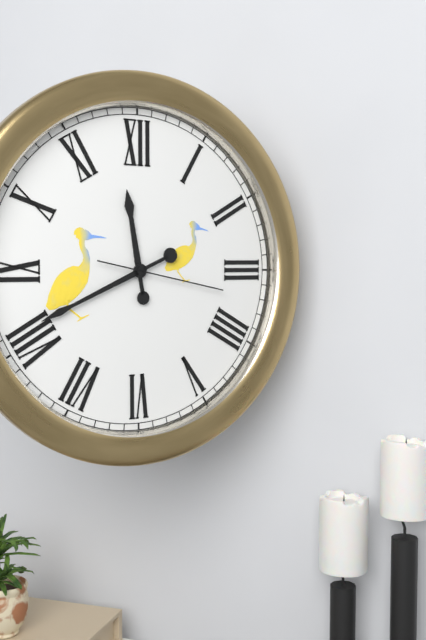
11:41:17
